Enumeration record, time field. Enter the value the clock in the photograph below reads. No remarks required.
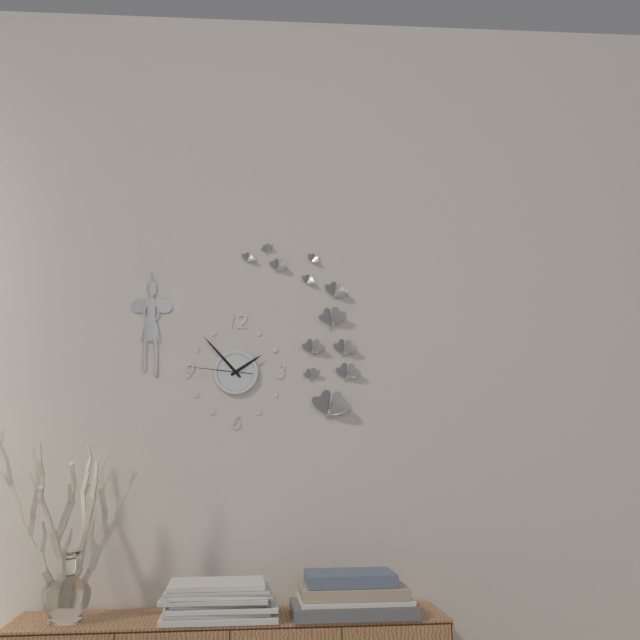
1:53:46
